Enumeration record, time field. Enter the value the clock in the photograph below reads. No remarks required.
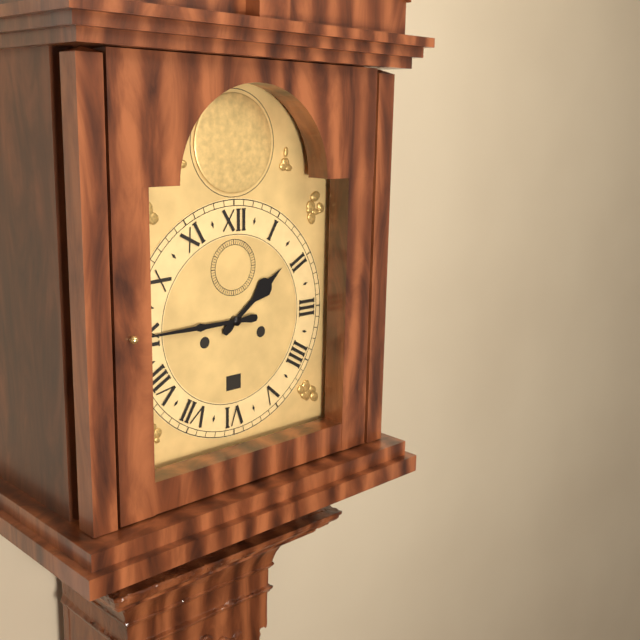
1:45
